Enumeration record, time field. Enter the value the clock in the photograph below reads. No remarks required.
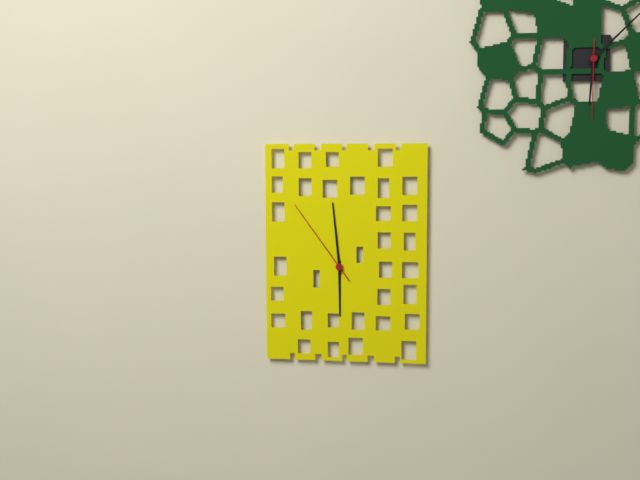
5:59:54
